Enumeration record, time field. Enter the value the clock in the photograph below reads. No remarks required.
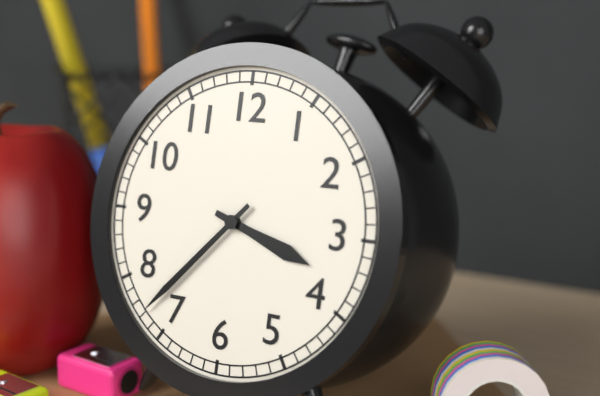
3:37
